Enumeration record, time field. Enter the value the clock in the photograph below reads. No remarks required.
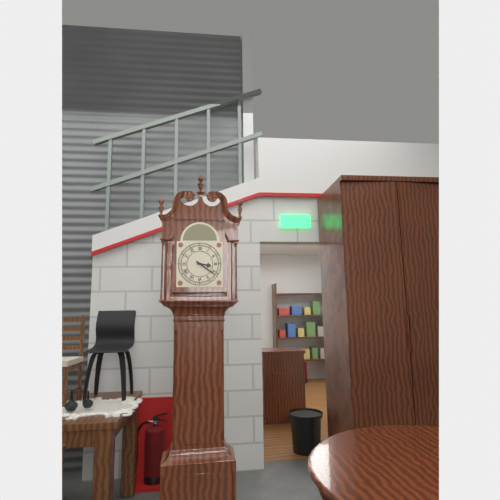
3:21
